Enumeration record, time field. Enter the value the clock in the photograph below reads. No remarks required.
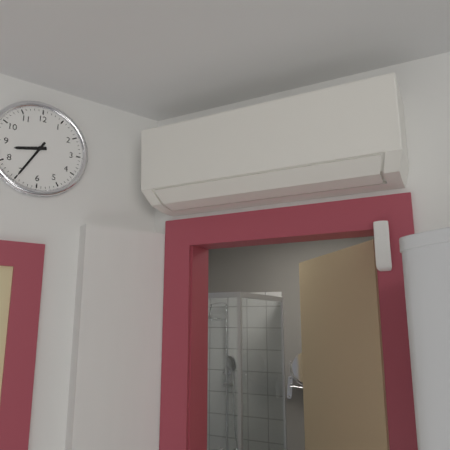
8:35
